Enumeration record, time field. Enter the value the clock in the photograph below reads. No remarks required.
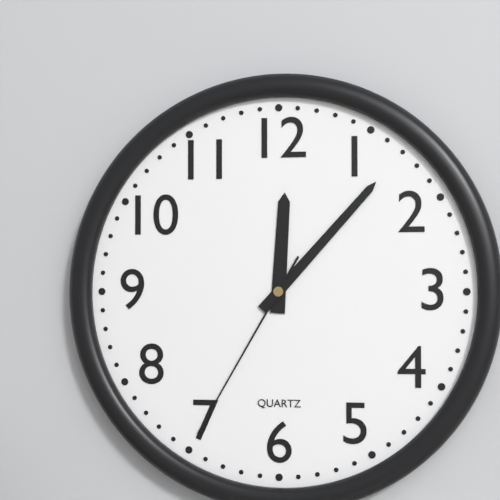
12:07:35
